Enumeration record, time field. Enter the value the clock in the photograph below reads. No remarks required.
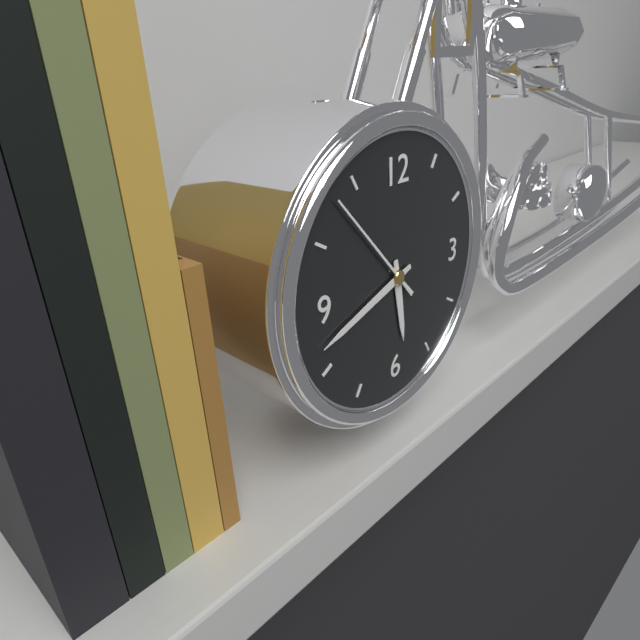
5:42:53
